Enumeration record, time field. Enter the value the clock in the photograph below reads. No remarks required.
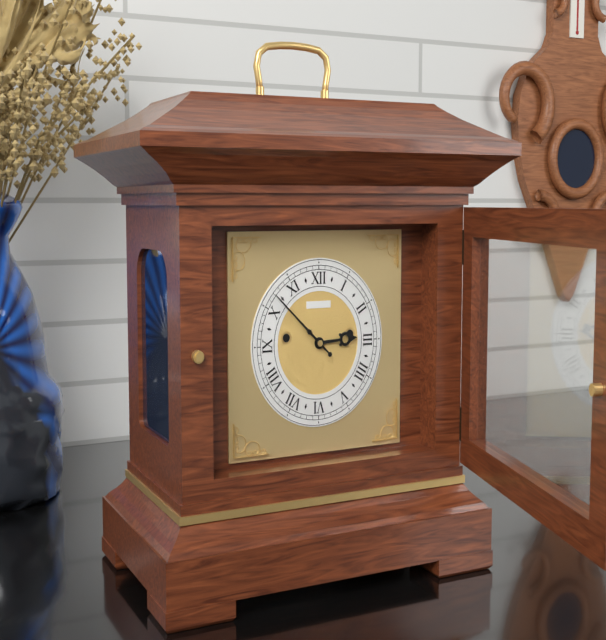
2:52
